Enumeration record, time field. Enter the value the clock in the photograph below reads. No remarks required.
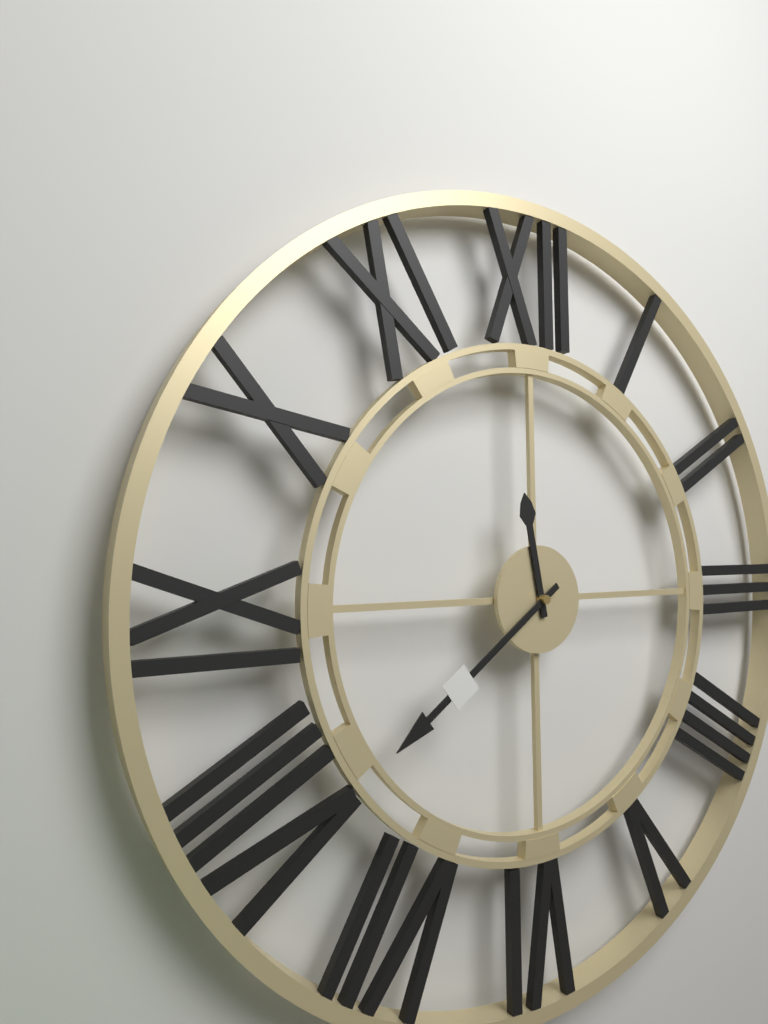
11:39
